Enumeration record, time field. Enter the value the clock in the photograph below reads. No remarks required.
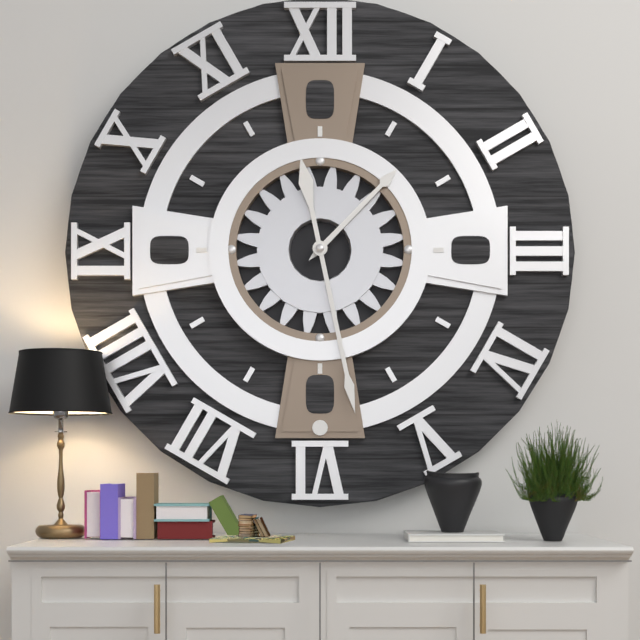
1:28
